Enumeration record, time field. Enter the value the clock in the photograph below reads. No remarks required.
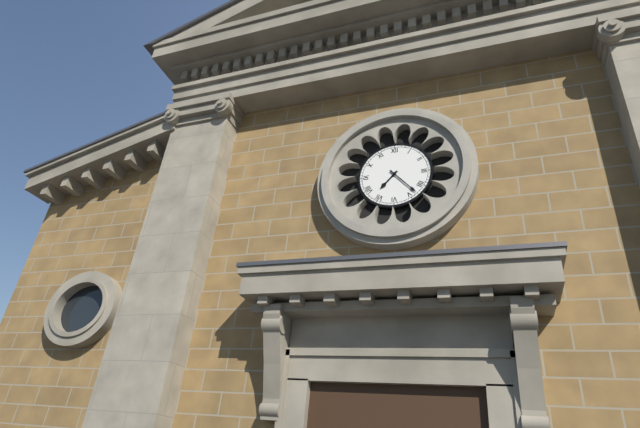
7:23
